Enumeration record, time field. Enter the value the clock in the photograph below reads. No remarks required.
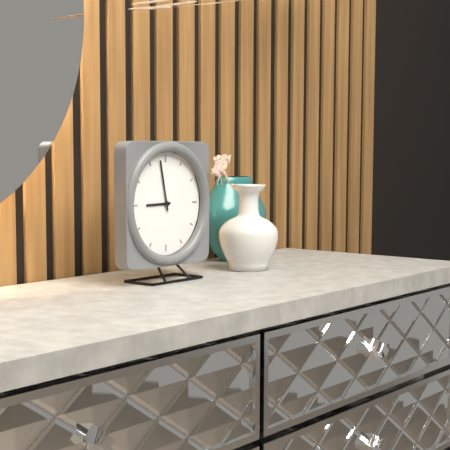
8:58
